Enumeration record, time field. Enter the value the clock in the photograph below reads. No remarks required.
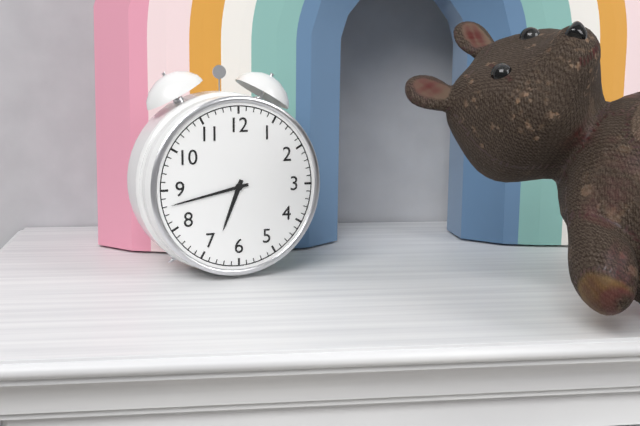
6:43
